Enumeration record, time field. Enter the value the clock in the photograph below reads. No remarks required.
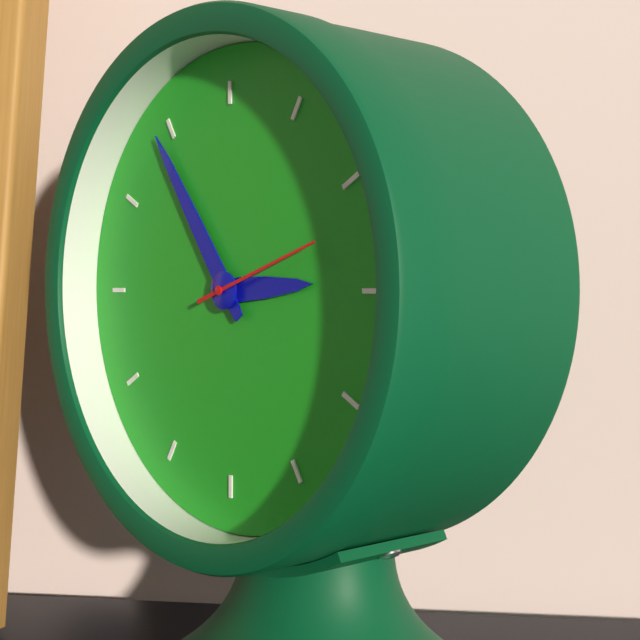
2:54:12
